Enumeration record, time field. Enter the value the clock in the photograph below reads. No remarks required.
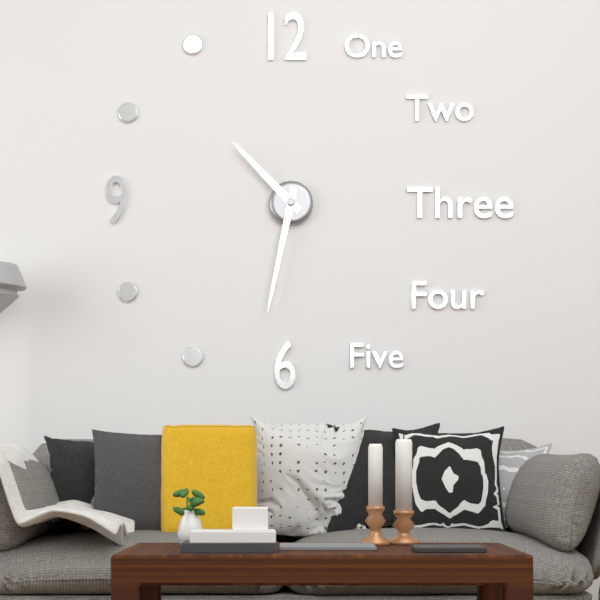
10:32
